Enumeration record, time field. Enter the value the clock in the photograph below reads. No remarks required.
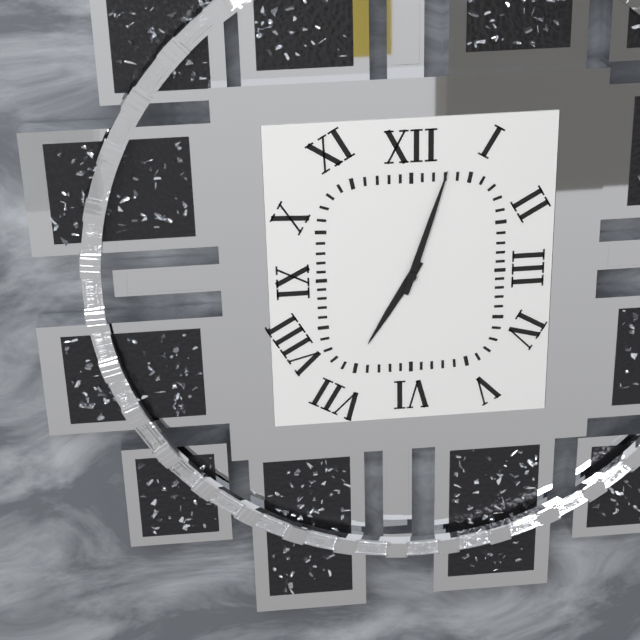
7:03
